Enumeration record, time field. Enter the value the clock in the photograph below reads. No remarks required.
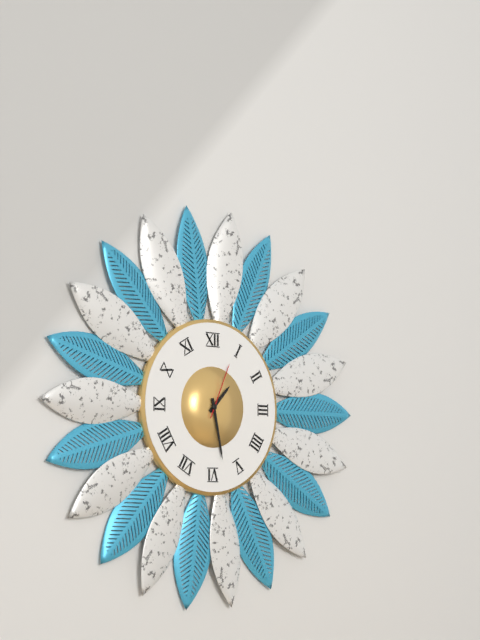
1:28:04
